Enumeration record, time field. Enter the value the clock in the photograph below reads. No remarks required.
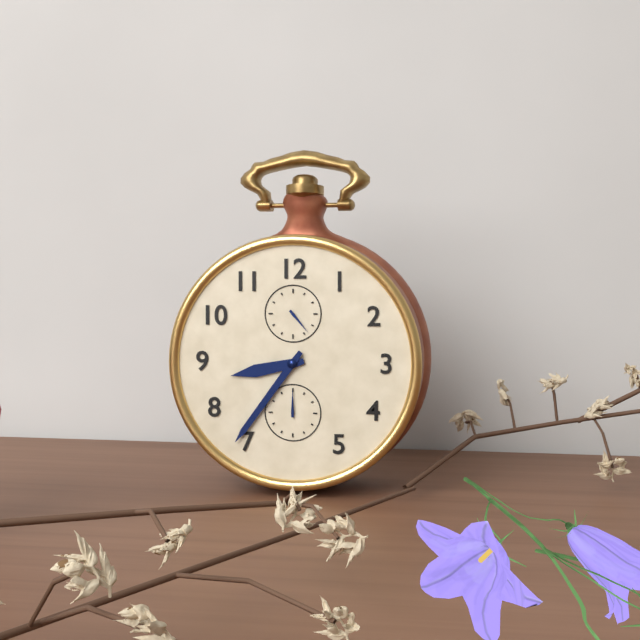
8:36
